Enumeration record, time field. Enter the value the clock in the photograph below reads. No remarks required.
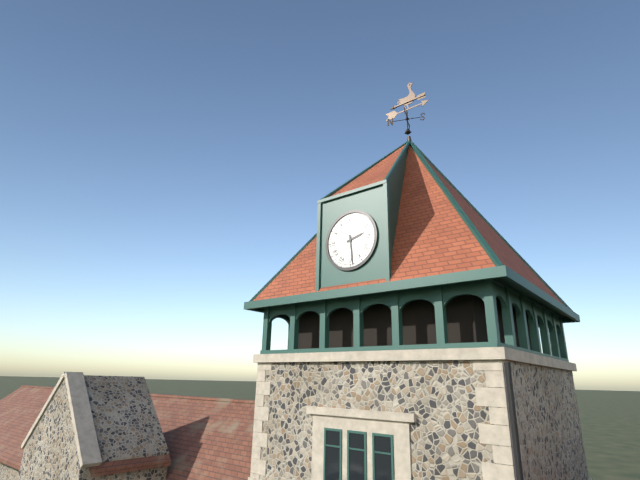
2:29
